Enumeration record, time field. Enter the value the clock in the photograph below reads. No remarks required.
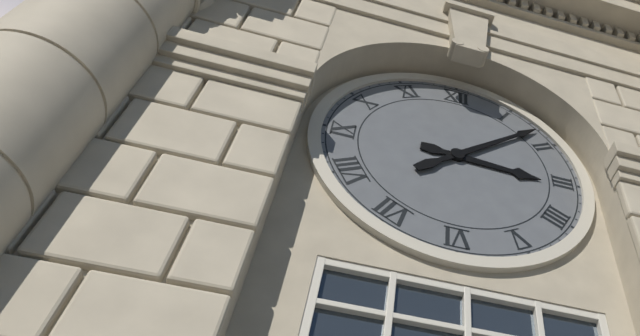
3:08
